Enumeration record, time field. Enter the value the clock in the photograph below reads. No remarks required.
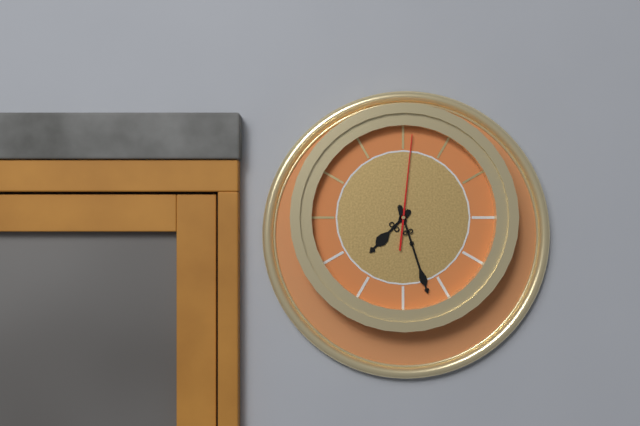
7:27:01
